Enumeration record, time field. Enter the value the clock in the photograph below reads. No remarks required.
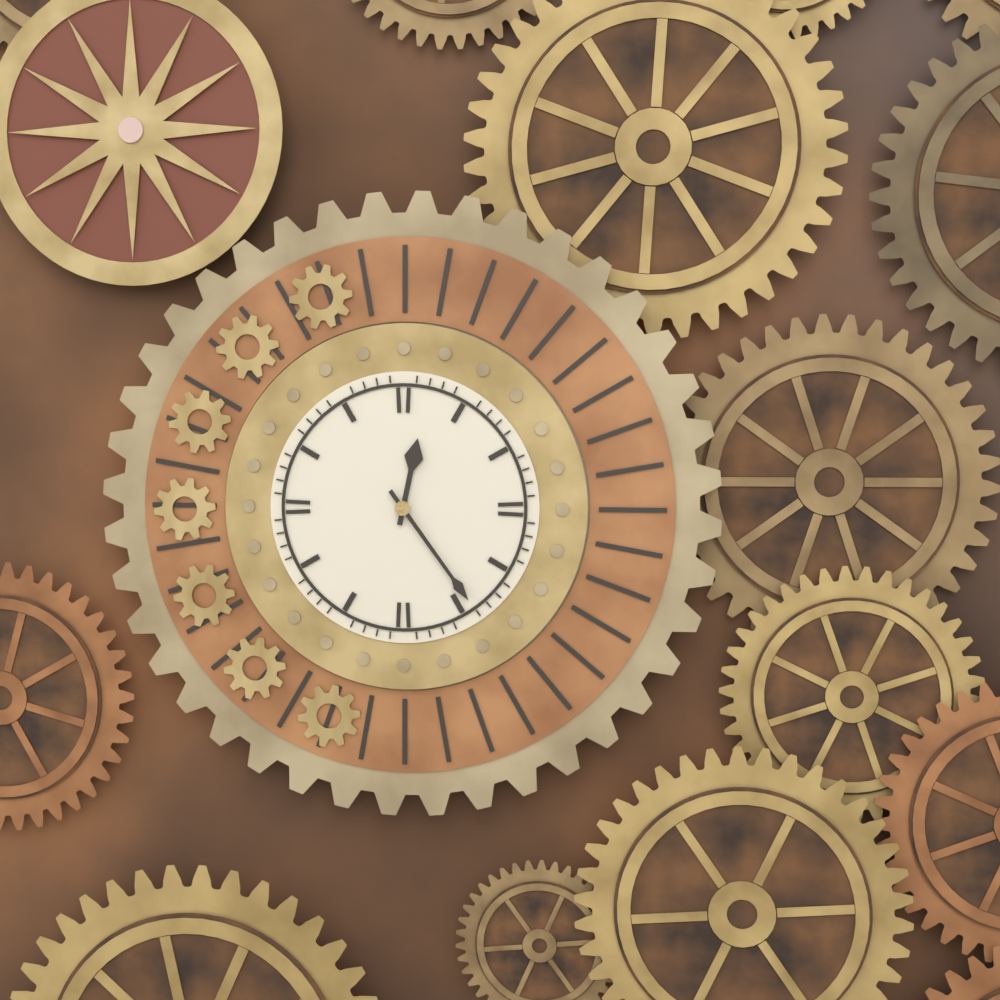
12:24
